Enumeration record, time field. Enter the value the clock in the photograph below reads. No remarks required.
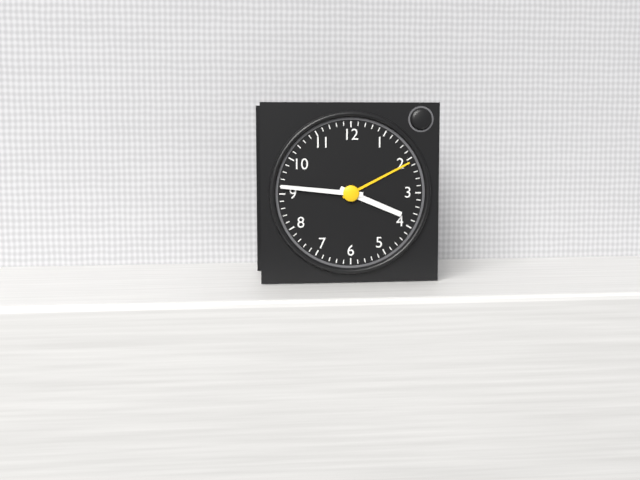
3:46
